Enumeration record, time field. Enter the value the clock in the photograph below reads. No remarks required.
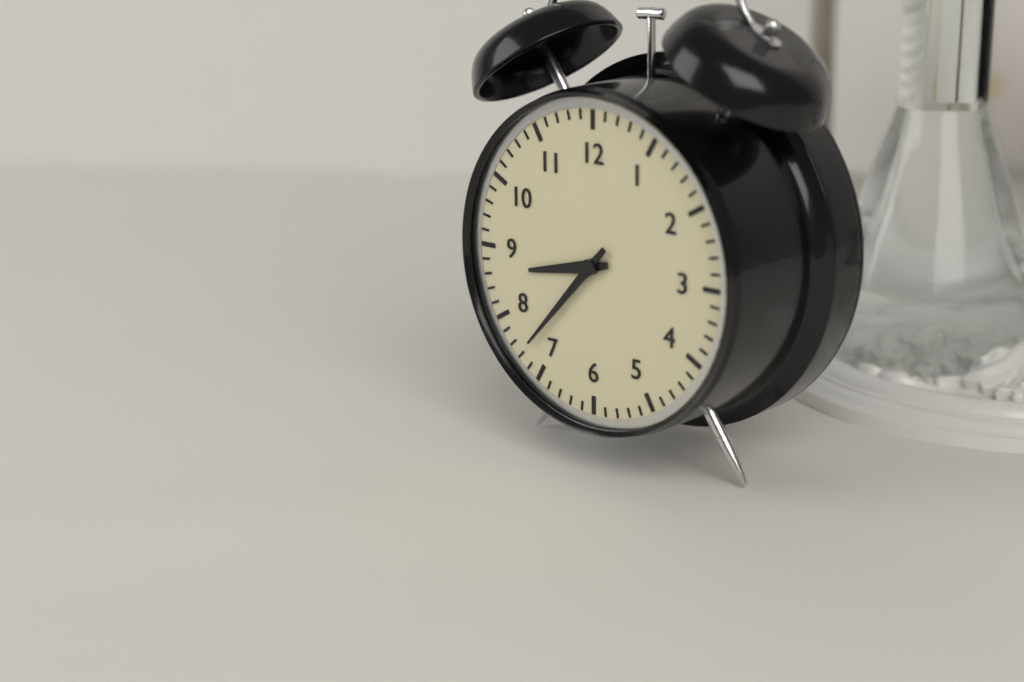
8:37
